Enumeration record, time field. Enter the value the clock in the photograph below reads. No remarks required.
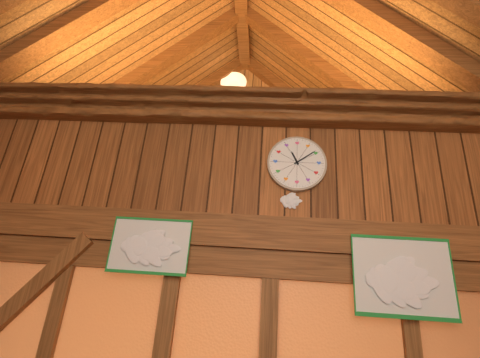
11:09
